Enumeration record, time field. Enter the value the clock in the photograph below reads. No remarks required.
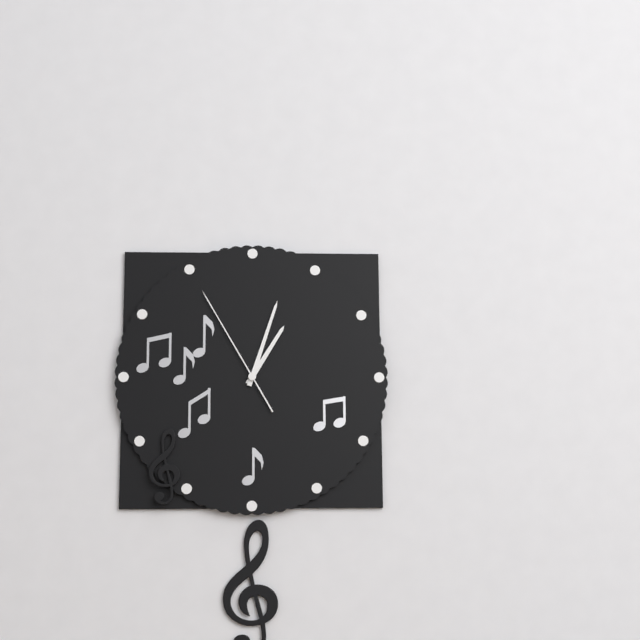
1:03:55
